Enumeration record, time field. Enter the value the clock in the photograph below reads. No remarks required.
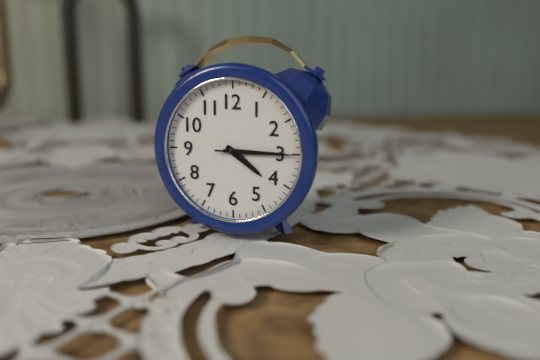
4:15:15
